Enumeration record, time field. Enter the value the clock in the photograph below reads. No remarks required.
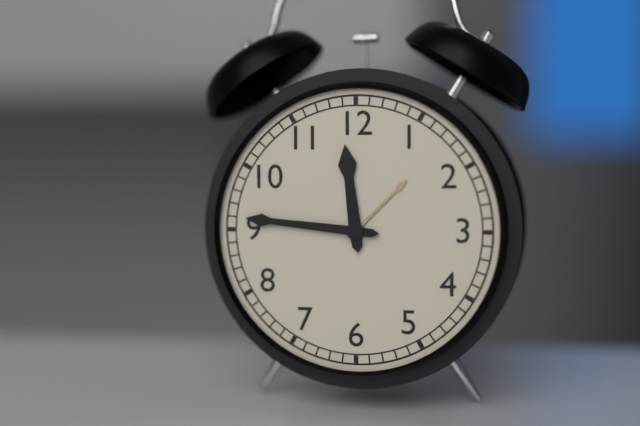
11:46
